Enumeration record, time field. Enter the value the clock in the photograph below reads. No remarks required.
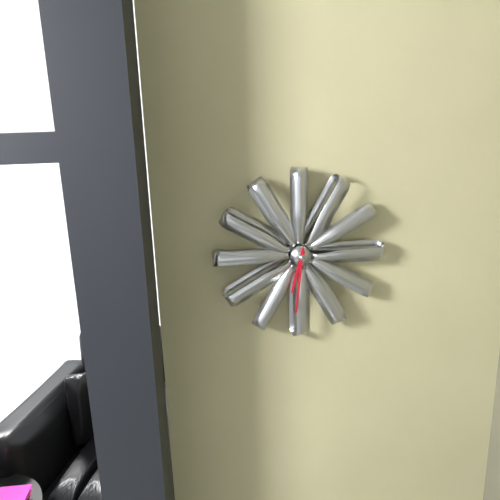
6:31
